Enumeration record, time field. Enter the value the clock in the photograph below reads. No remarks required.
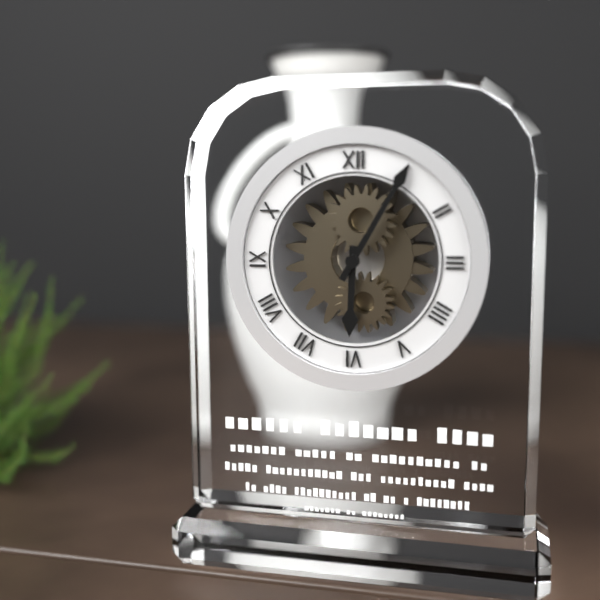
6:05
